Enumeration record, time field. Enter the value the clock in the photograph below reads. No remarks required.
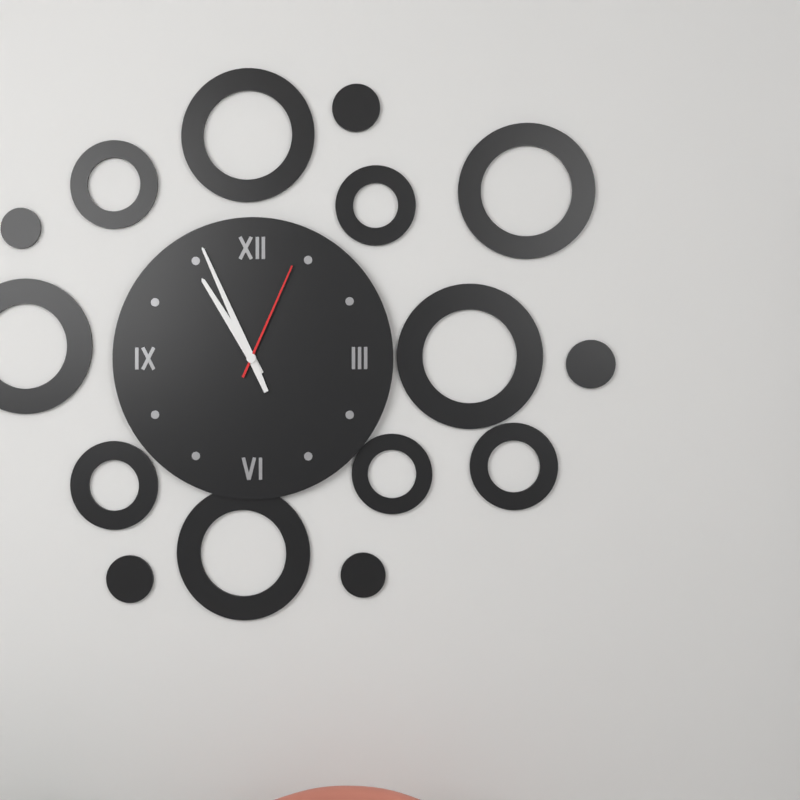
10:56:04
